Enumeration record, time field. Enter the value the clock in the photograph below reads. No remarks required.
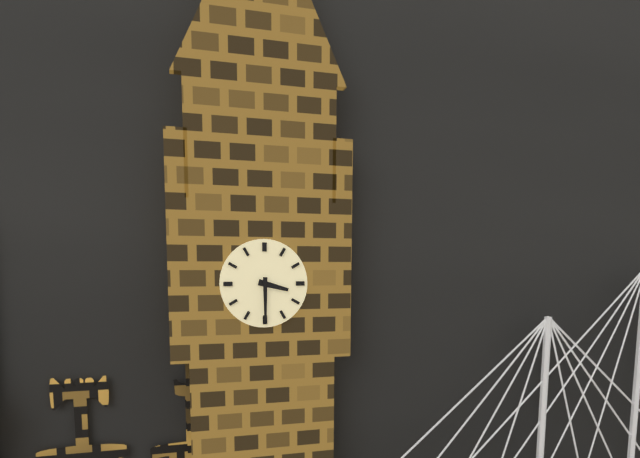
3:30
